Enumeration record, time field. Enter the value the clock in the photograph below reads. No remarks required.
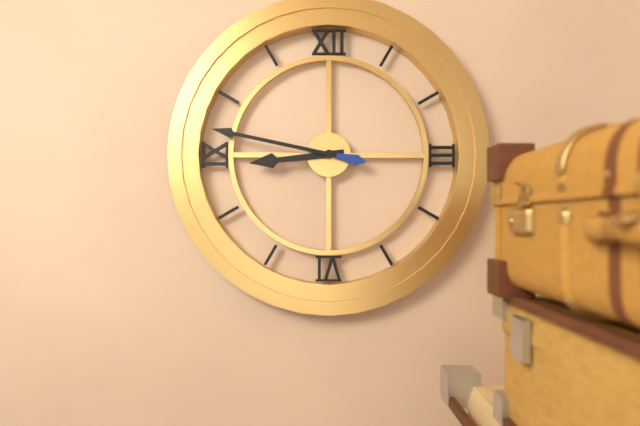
8:47
